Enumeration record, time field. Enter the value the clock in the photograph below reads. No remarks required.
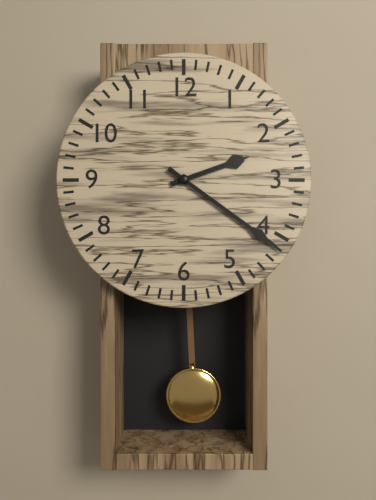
2:21
